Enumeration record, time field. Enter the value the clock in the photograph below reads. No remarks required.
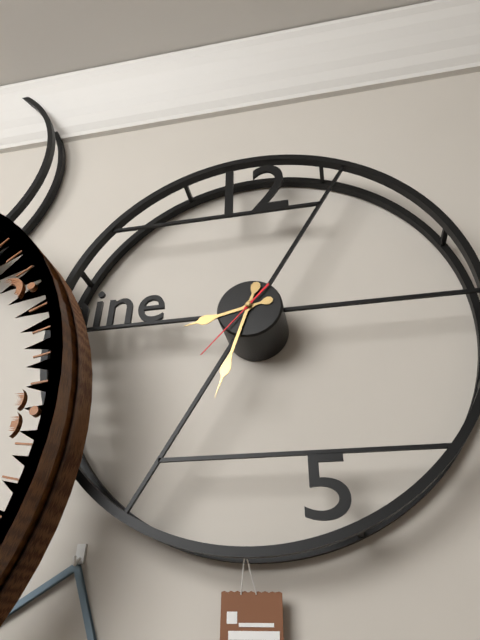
8:33:37
